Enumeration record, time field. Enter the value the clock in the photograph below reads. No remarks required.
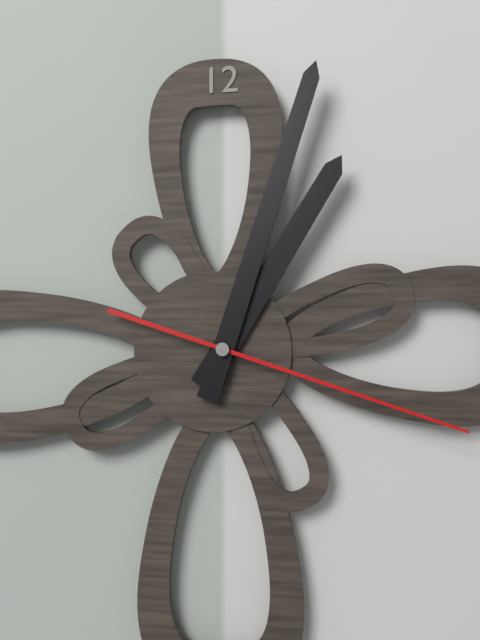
1:03:18
